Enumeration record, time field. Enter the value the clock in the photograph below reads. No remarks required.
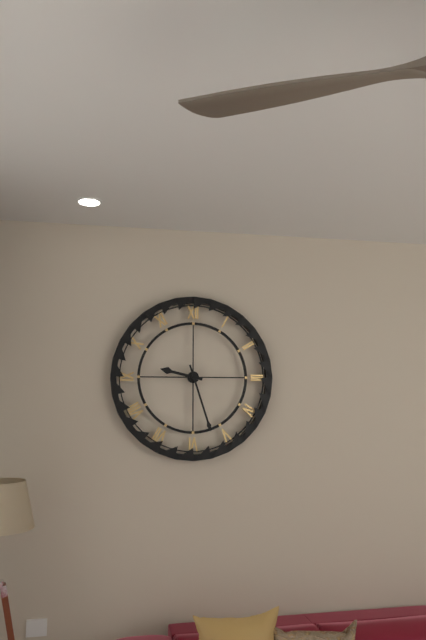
9:27
